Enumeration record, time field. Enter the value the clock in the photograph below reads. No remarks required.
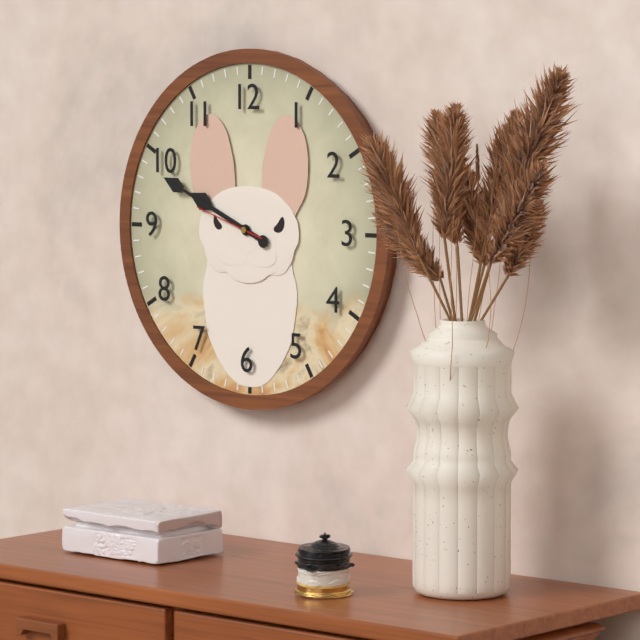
9:49:48
